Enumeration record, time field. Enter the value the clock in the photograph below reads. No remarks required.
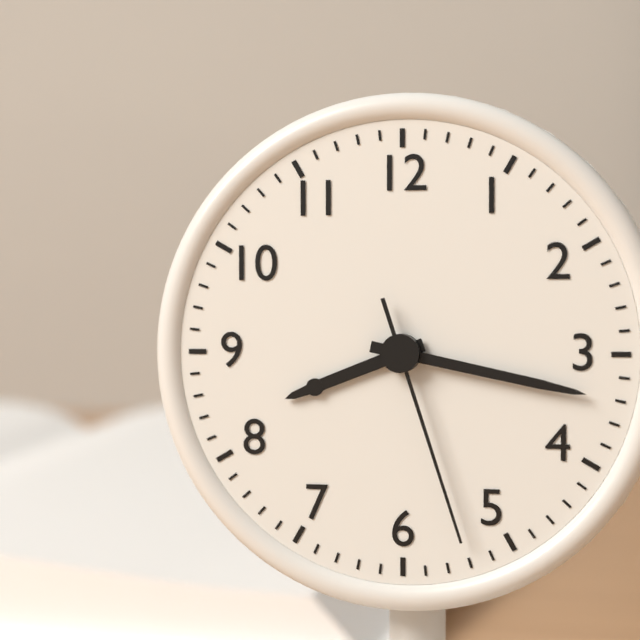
8:17:27
